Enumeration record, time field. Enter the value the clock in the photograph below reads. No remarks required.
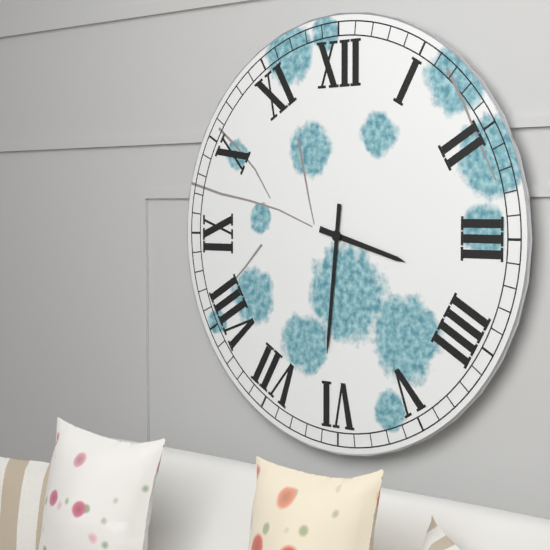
3:31
